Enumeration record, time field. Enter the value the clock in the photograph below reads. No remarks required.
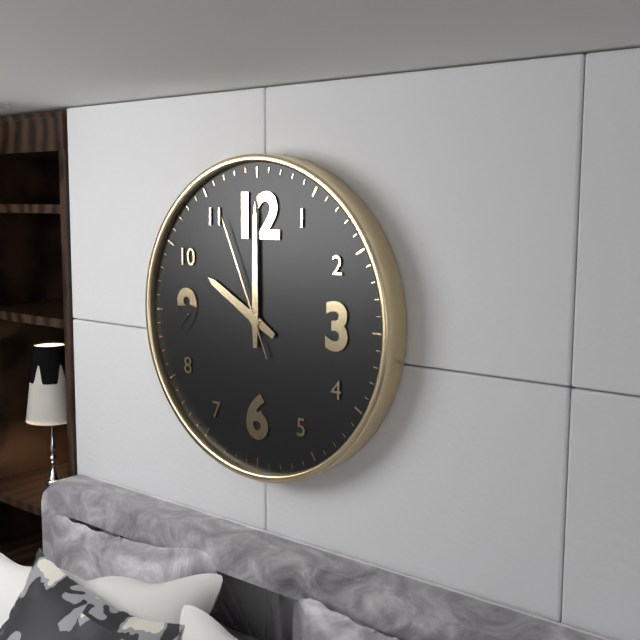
10:00:56
